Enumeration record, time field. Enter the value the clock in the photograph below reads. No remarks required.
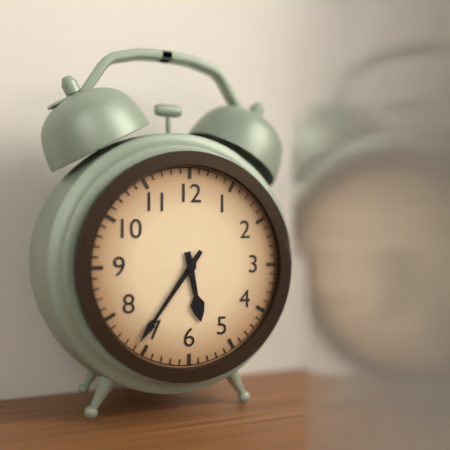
5:36
